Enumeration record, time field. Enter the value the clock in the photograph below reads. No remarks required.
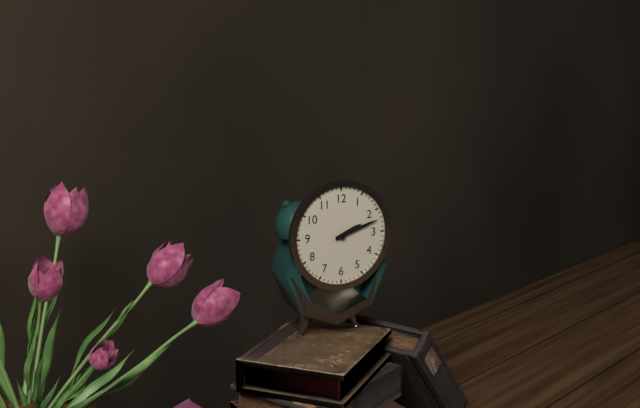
2:12
